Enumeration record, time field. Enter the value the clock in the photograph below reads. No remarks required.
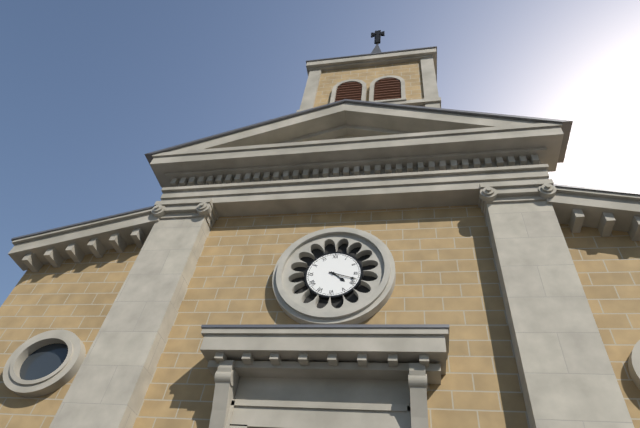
4:18
